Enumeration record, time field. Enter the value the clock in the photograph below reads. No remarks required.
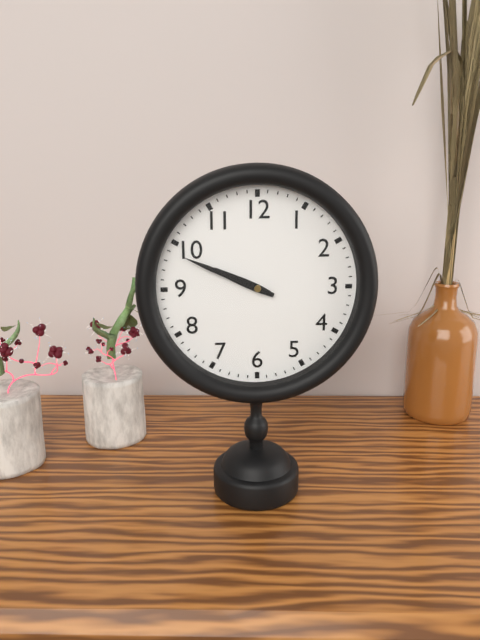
9:49
